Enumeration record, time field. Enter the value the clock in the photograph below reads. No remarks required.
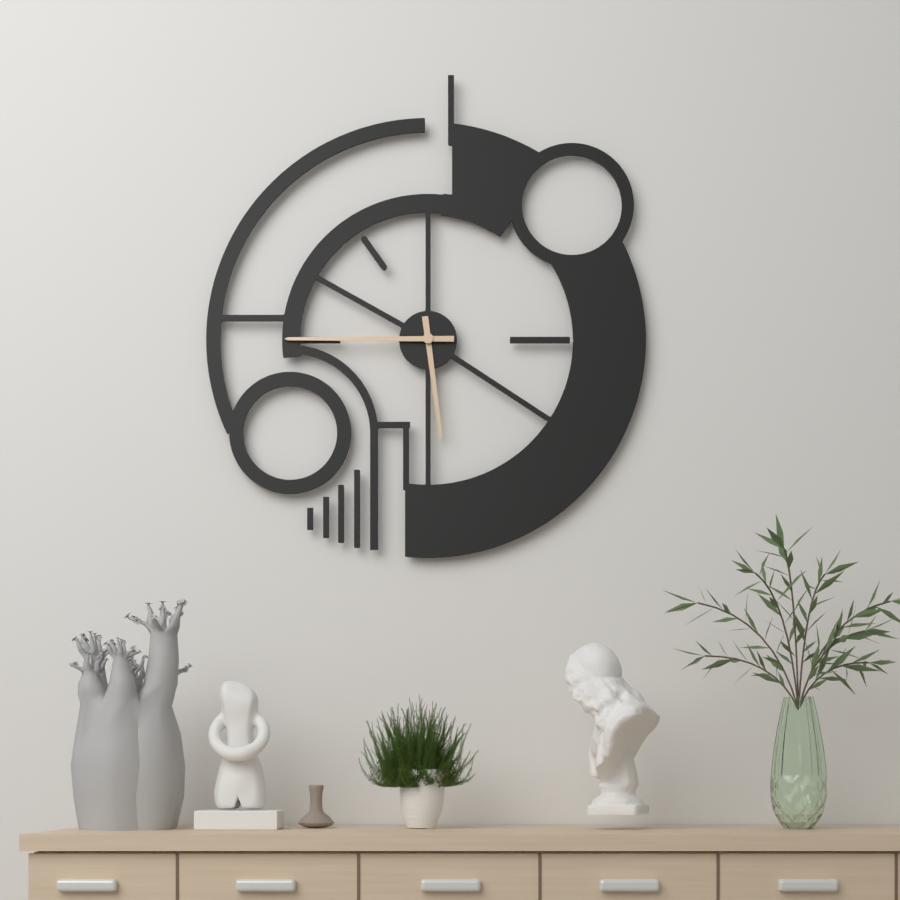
5:45
